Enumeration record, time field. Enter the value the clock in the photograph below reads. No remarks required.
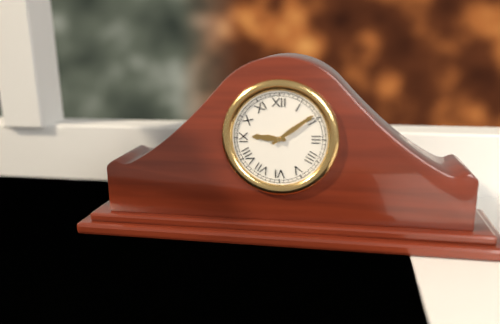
9:09
